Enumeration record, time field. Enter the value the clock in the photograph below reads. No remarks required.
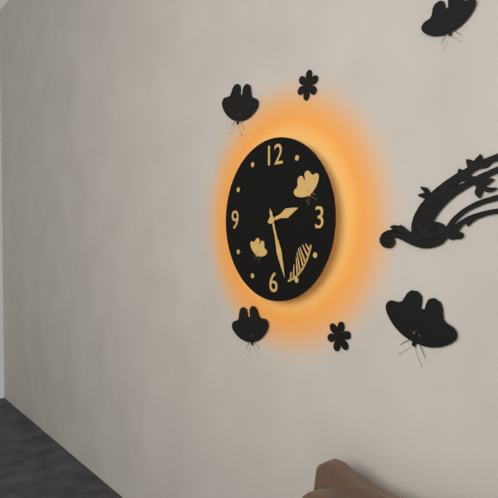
2:27
